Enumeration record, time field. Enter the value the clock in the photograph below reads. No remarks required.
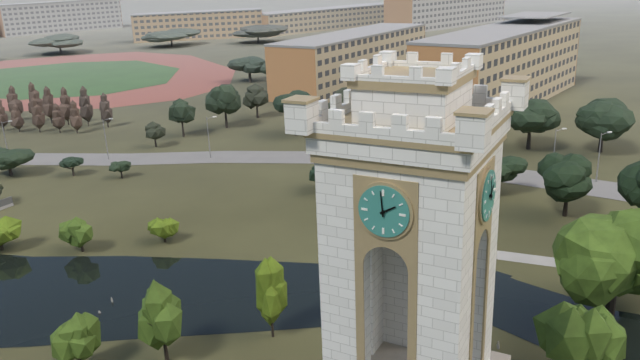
1:59
